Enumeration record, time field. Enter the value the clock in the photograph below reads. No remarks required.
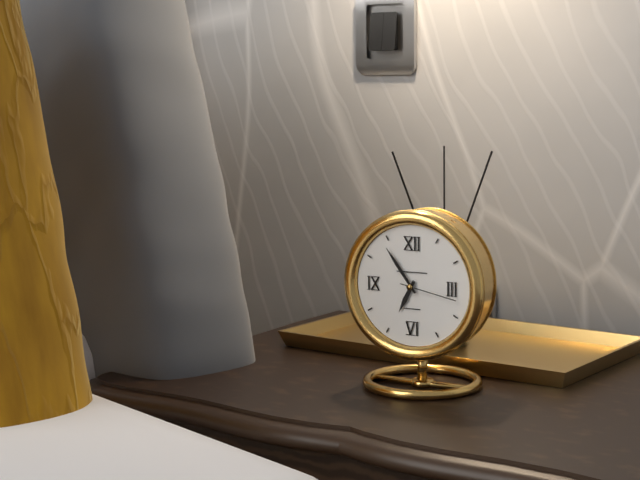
6:54:17
